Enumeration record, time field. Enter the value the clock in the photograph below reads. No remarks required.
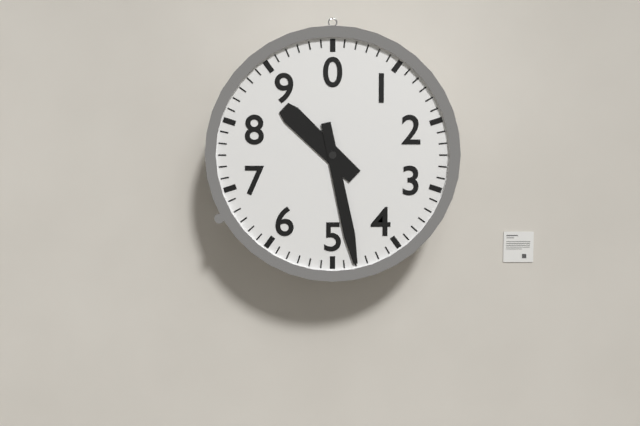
10:28
